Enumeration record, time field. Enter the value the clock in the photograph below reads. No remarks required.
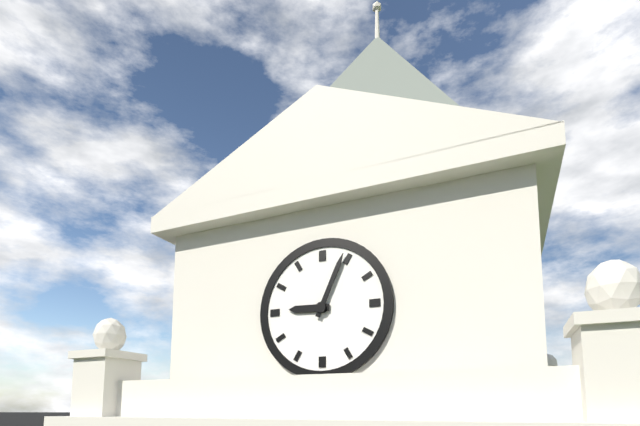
9:04
